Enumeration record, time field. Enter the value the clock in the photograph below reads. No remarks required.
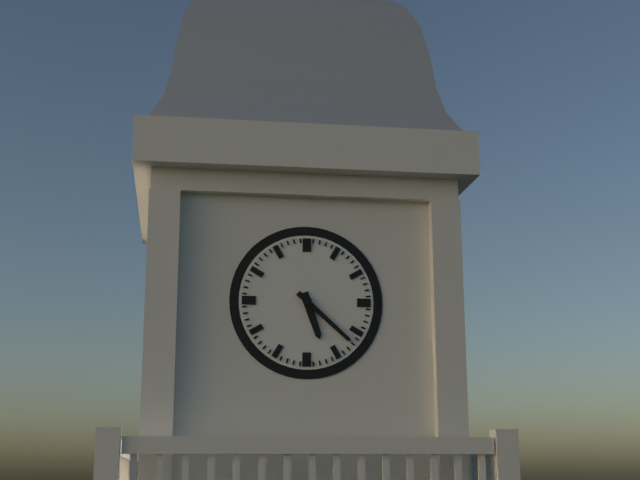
5:22
